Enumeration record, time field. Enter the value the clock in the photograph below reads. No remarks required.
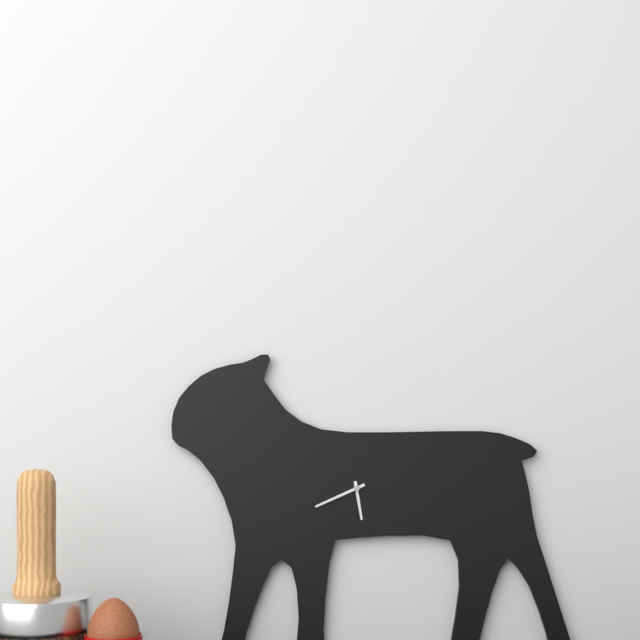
5:41
